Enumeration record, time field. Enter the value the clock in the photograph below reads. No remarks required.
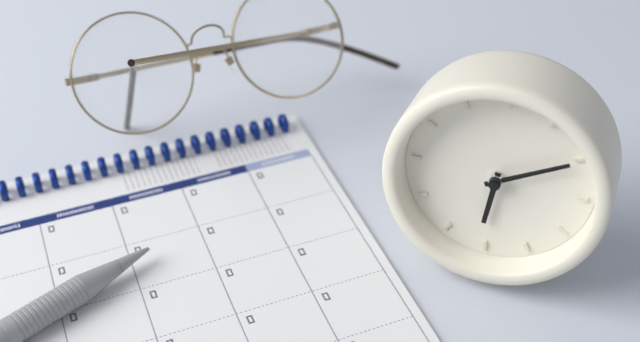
6:10
